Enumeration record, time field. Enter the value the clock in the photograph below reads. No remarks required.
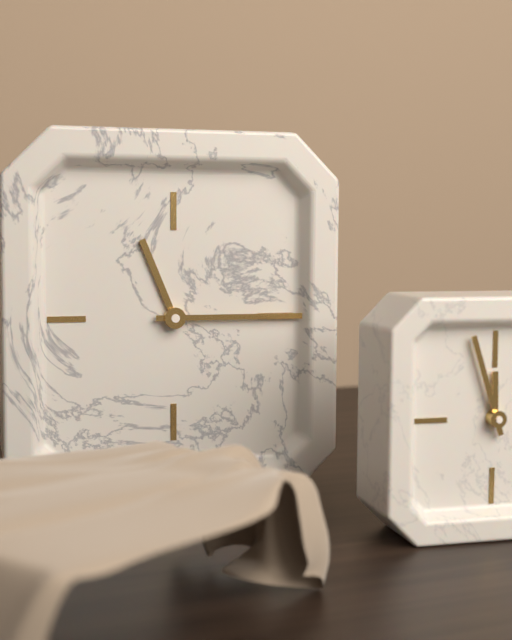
11:15
